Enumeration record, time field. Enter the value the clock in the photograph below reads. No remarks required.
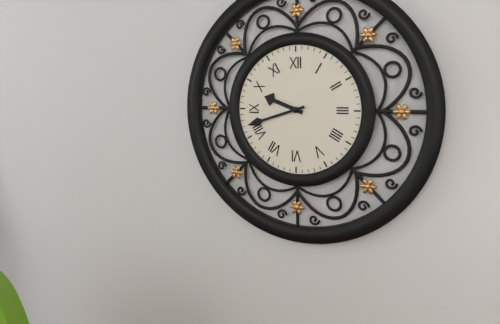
9:42
